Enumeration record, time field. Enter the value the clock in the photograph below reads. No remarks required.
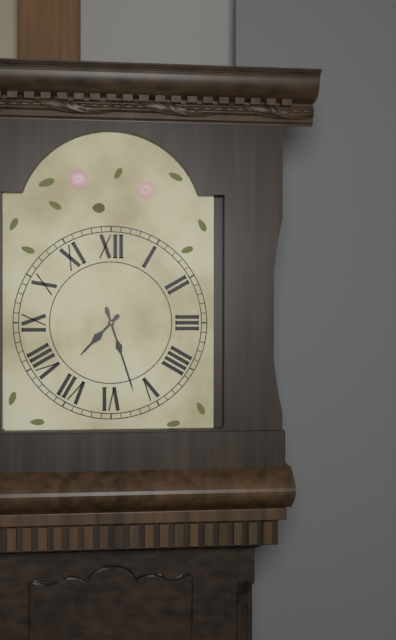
7:27
